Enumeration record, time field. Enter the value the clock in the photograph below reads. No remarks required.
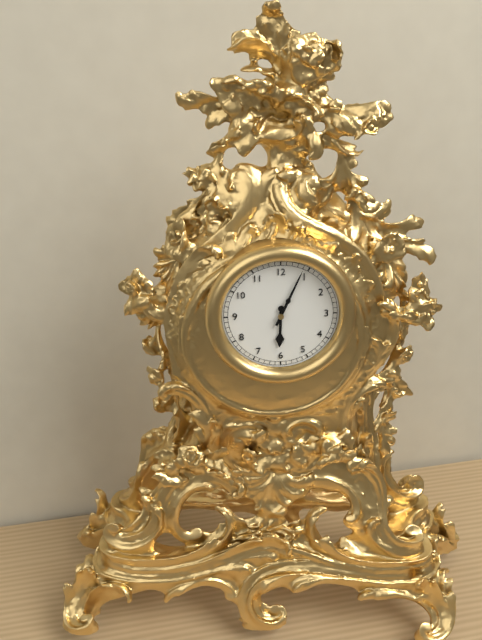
6:04
